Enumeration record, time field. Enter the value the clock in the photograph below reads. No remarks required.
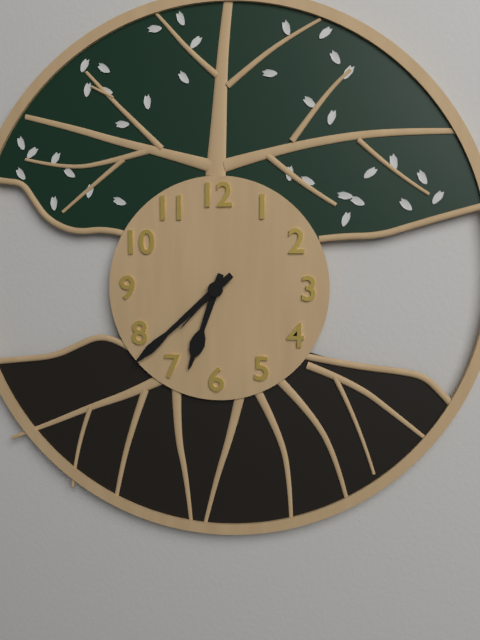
6:38:37
